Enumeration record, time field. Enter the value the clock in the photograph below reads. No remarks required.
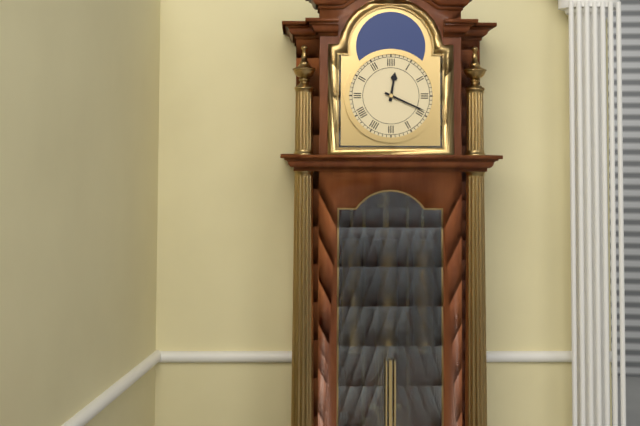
12:19
